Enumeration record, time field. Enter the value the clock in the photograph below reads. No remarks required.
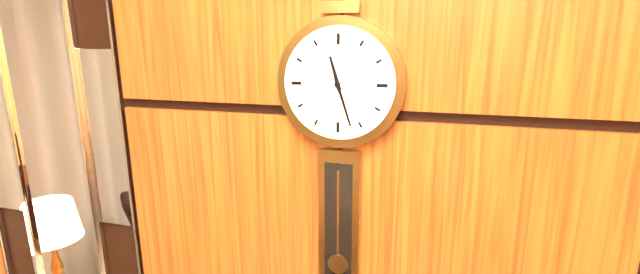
11:27
